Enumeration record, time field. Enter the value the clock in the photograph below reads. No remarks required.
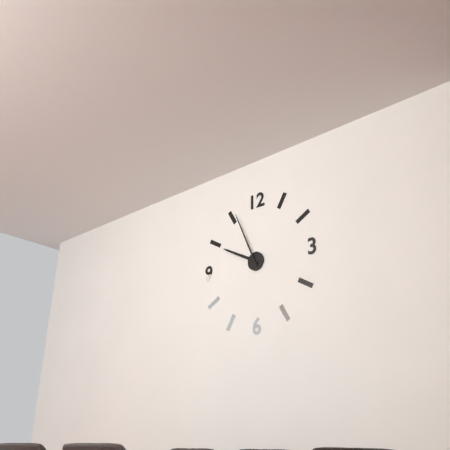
9:56
